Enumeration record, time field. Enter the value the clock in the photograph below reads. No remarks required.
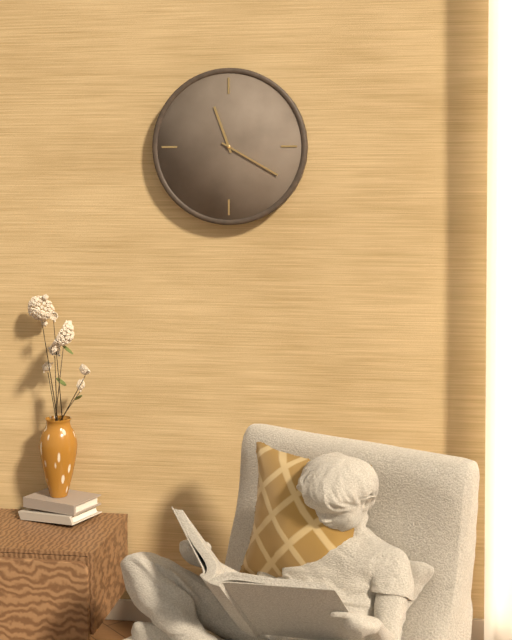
11:20
